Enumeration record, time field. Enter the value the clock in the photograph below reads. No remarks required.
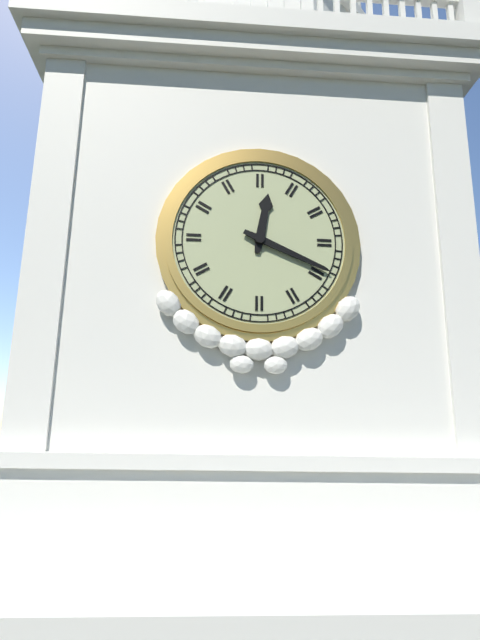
12:19
